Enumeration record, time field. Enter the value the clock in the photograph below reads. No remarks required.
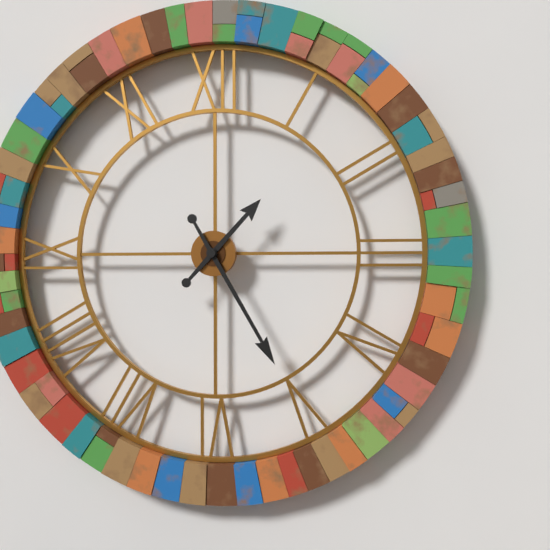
1:25
